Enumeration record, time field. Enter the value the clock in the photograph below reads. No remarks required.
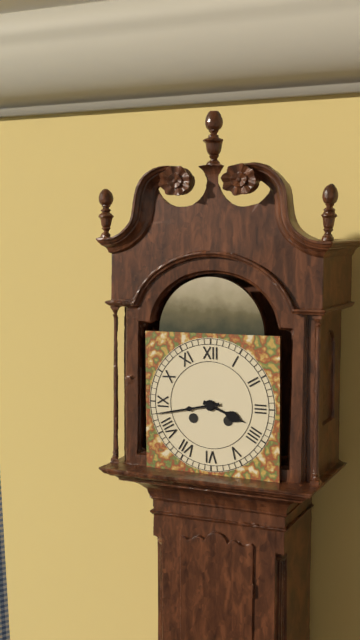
3:43
